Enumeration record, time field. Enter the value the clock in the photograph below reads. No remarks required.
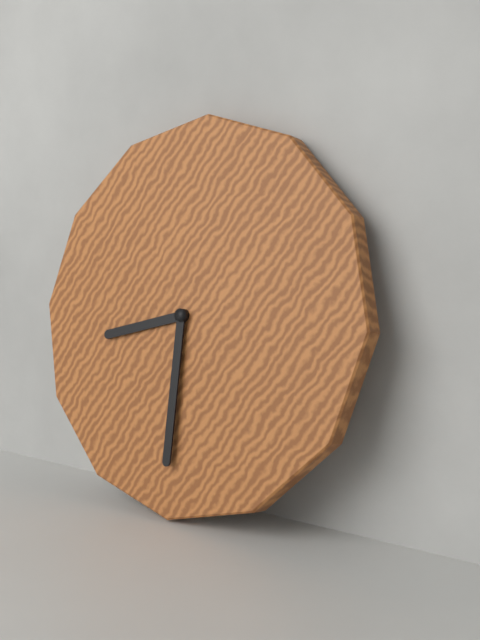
8:30
